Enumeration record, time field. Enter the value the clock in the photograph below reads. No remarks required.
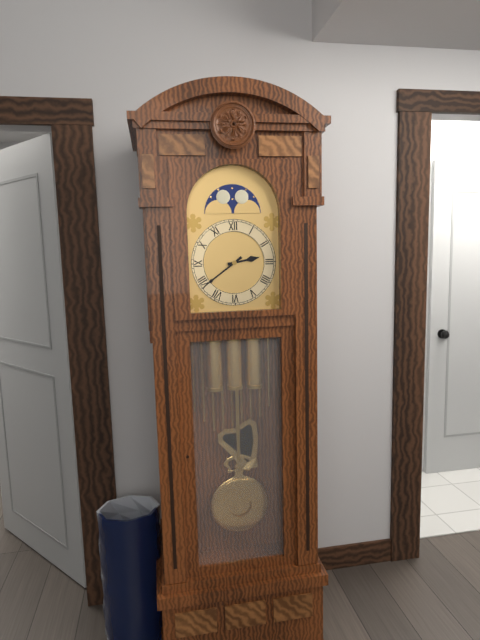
2:39
